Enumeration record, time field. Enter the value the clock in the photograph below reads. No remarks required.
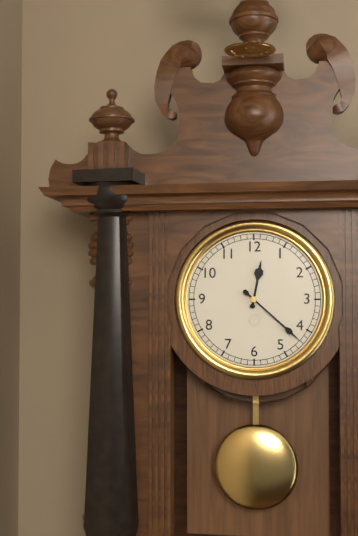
12:22
